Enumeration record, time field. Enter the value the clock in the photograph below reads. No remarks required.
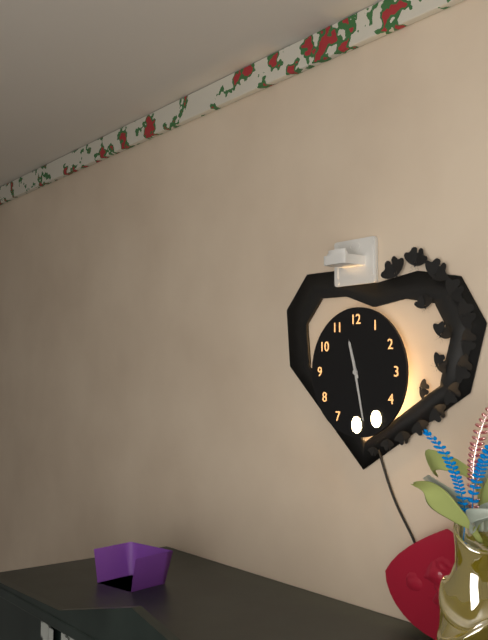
11:28
